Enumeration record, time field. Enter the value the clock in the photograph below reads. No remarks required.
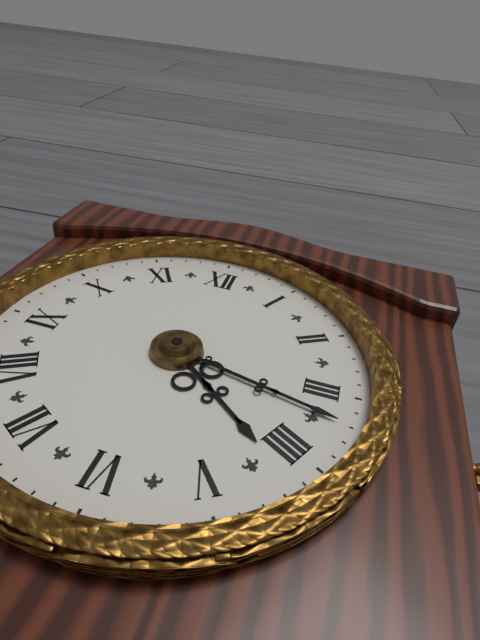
4:17
